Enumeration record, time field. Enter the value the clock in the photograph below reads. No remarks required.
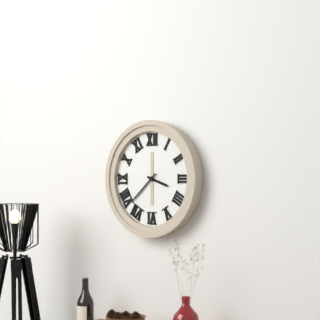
3:38
